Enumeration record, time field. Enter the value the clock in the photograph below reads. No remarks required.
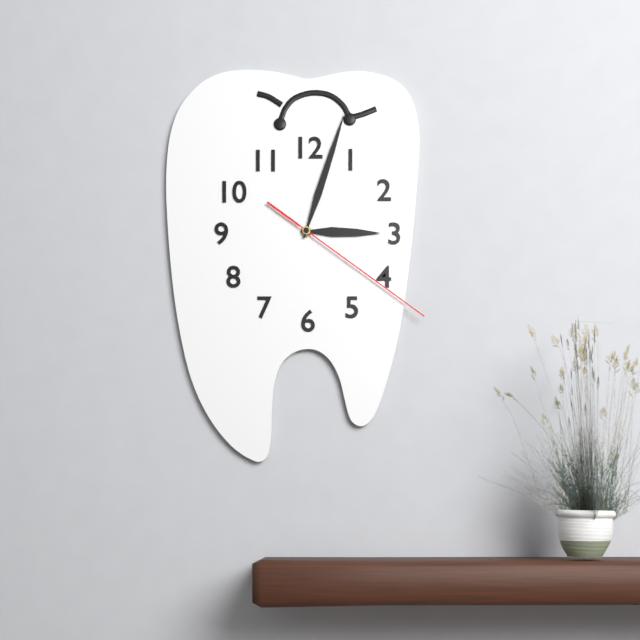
3:03:21
